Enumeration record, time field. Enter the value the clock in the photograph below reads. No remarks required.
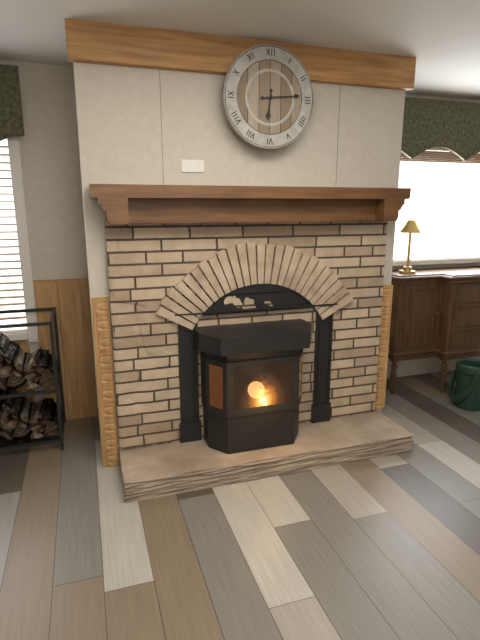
6:14
